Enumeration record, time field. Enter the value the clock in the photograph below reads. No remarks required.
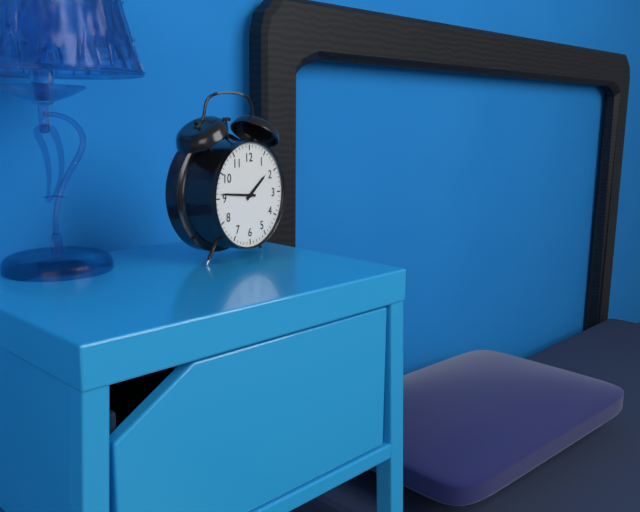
1:46
